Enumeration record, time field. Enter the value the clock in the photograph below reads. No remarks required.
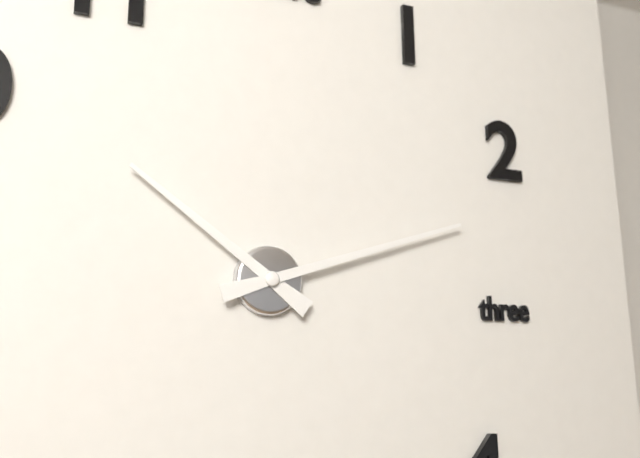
10:12
